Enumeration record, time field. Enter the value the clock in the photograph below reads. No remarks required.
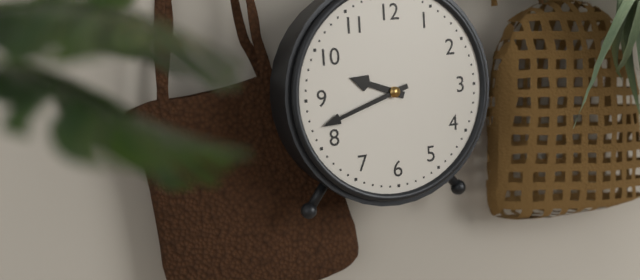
9:42
